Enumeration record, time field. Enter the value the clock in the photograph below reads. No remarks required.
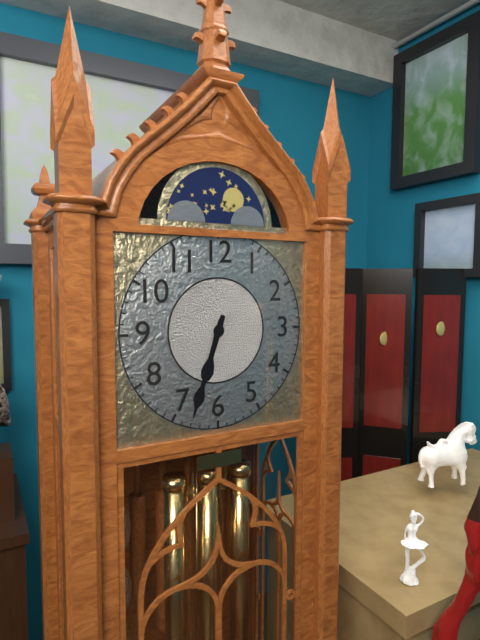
6:33
